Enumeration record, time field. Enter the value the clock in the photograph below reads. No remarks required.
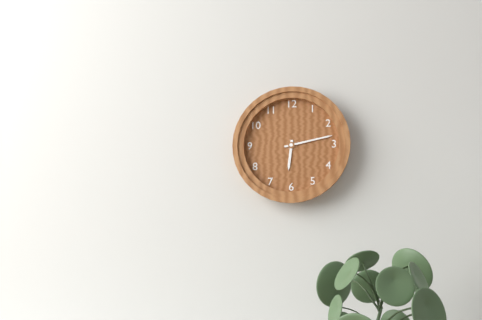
6:13
